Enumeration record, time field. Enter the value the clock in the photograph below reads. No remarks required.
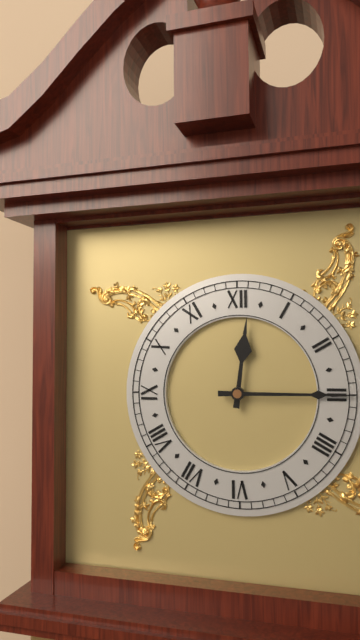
12:15
